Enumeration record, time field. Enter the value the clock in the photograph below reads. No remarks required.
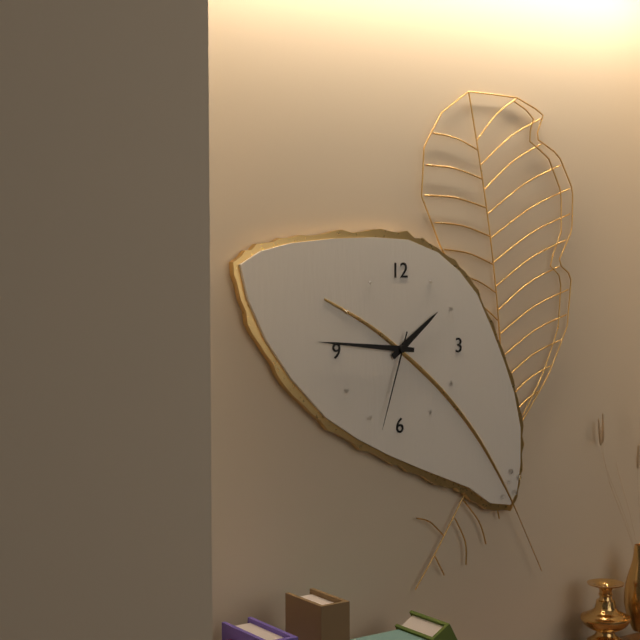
1:46:33
